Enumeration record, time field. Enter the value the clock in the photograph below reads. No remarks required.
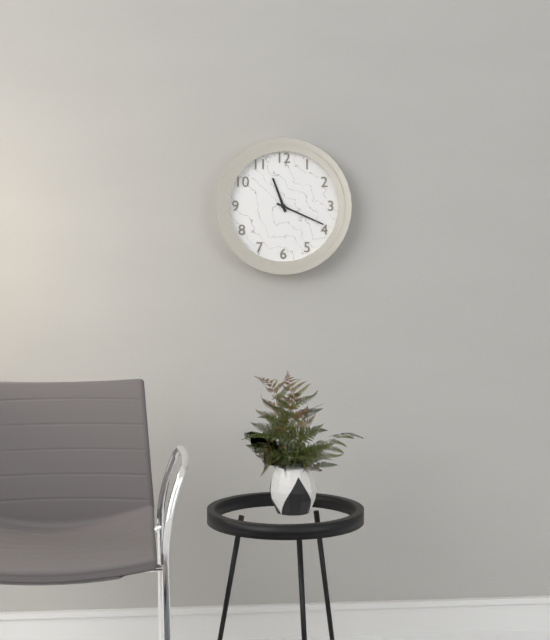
11:19
